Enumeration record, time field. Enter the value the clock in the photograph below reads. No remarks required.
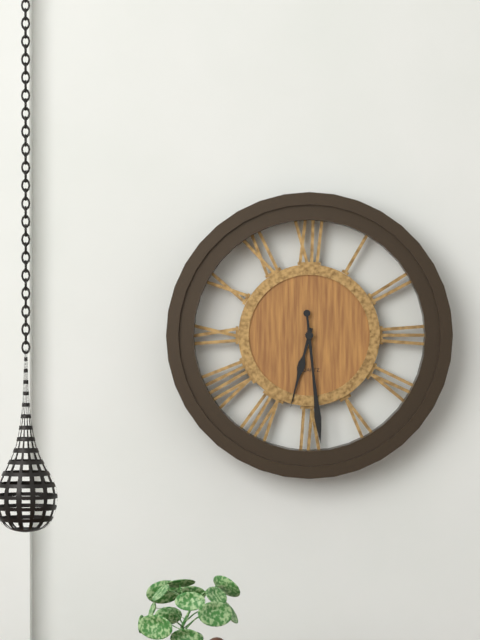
6:29
